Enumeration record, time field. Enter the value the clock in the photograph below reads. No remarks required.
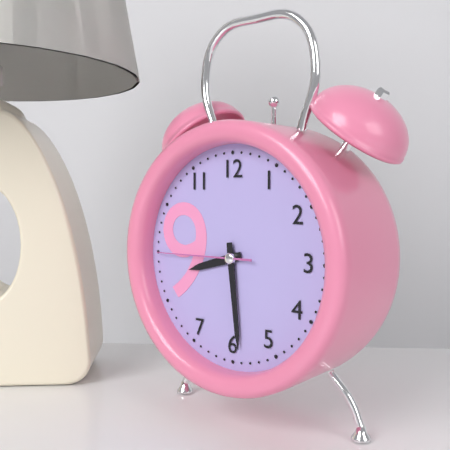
8:29:45
